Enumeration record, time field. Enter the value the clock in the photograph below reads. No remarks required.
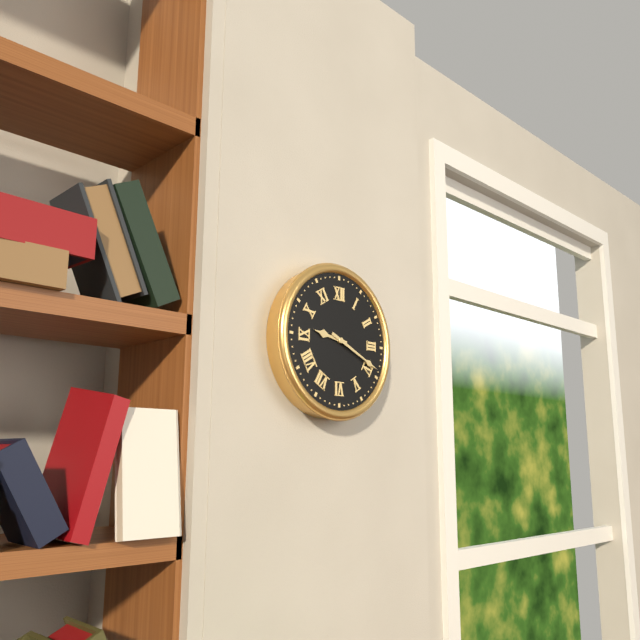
9:19
